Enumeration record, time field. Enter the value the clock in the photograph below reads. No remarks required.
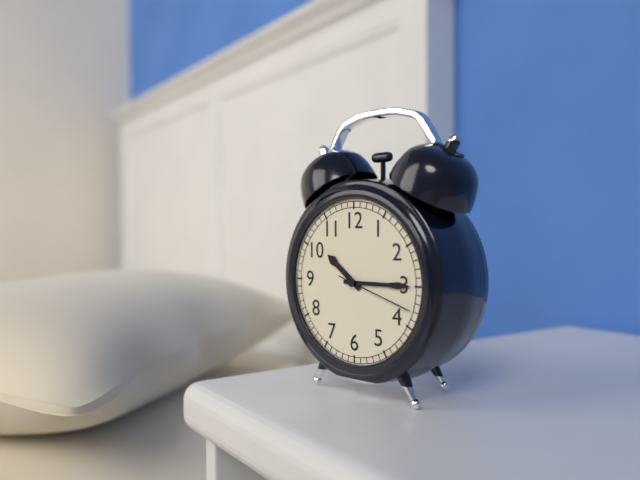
10:15:18
